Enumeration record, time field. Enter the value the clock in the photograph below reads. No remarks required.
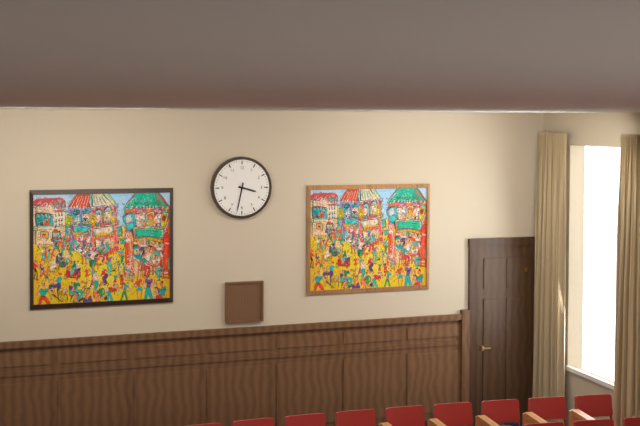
3:32
